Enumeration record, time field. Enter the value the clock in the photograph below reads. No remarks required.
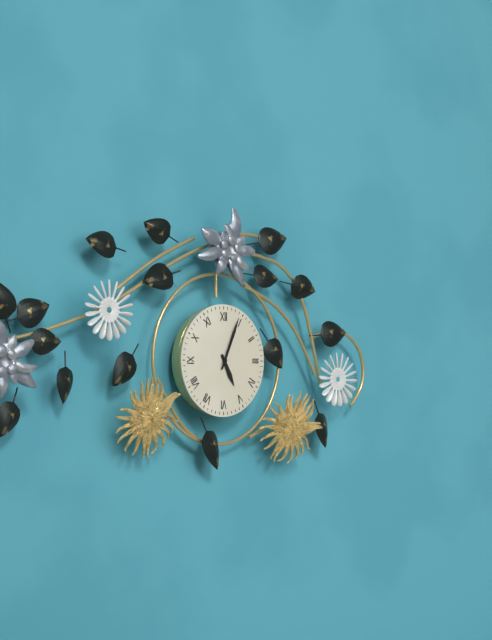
5:04
